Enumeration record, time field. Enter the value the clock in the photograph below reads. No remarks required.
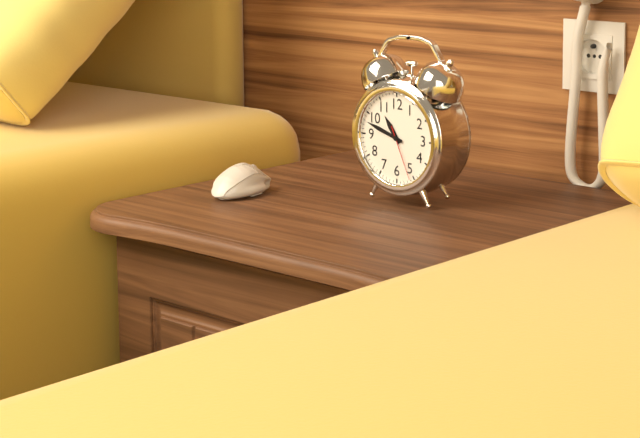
10:48:26
